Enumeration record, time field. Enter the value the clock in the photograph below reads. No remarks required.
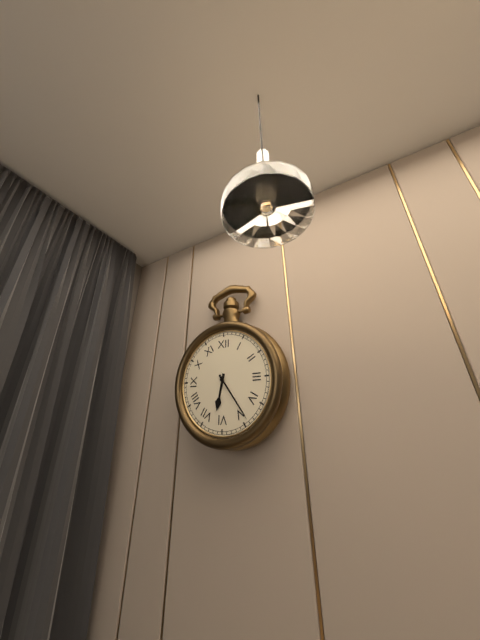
6:24
